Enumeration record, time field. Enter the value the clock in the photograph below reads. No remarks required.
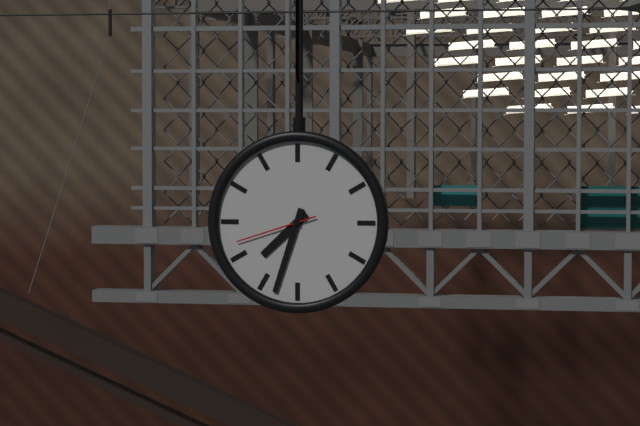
7:33:42
